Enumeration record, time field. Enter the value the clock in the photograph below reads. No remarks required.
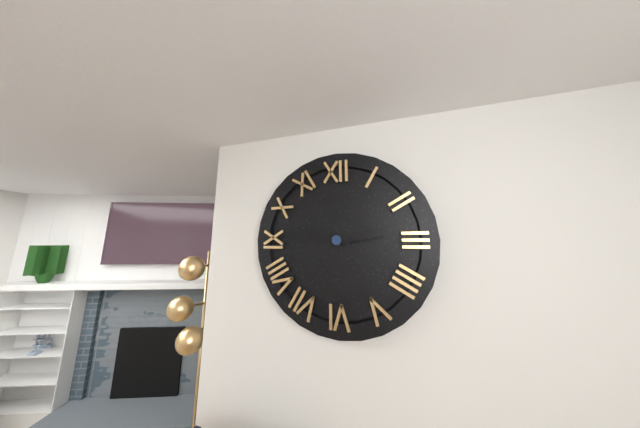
2:47
